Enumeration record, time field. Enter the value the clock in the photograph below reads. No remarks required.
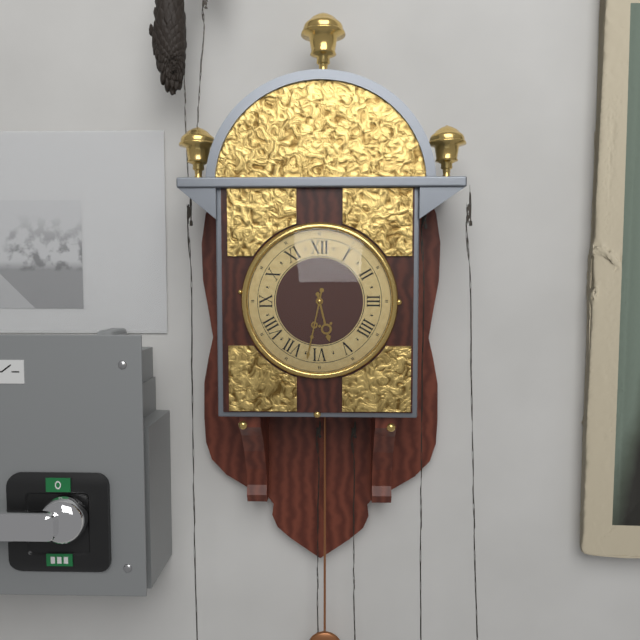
5:32
